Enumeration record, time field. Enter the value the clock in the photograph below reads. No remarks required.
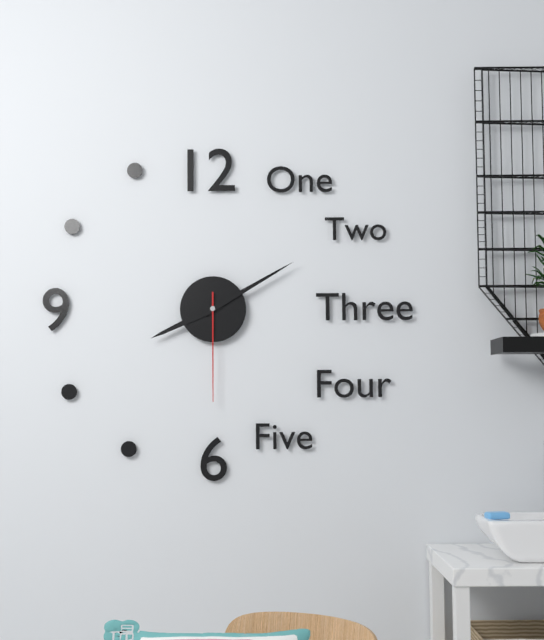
8:10:30
